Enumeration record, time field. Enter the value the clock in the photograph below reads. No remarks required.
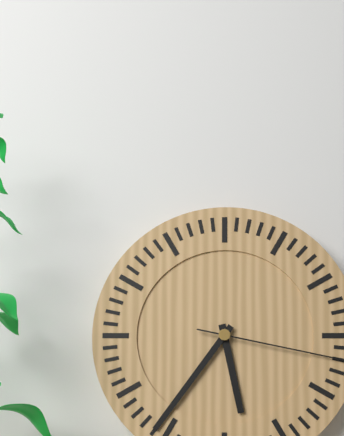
5:36
